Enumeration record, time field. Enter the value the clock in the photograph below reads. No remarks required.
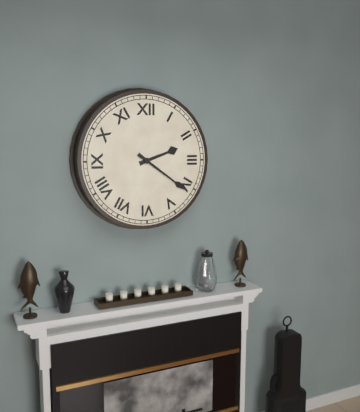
2:21
